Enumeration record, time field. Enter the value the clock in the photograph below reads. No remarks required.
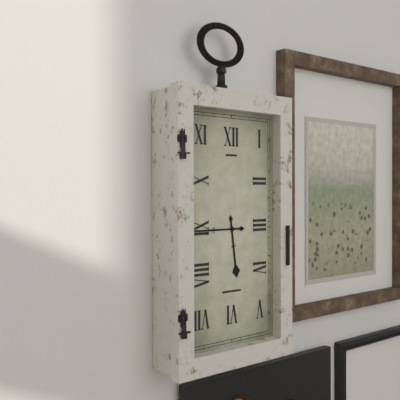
5:45
